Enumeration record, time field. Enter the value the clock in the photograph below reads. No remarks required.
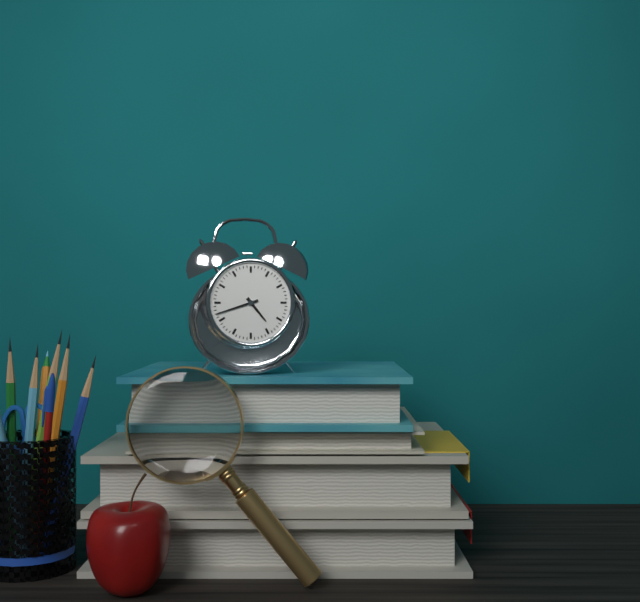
4:42
